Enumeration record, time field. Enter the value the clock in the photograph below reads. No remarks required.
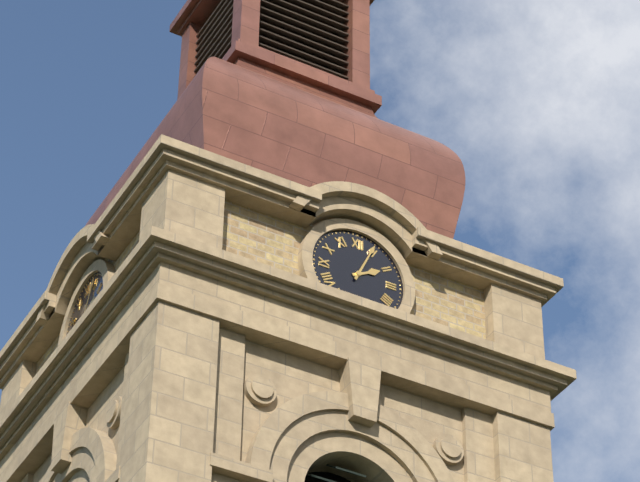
2:04
